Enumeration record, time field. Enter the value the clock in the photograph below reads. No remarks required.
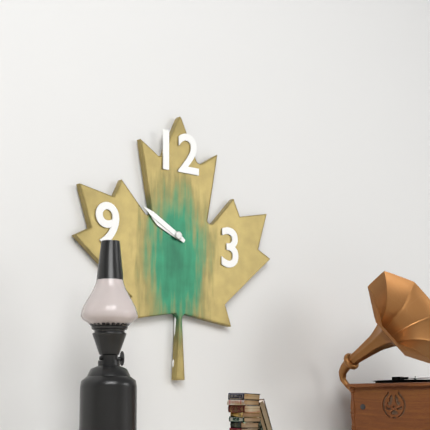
9:50
